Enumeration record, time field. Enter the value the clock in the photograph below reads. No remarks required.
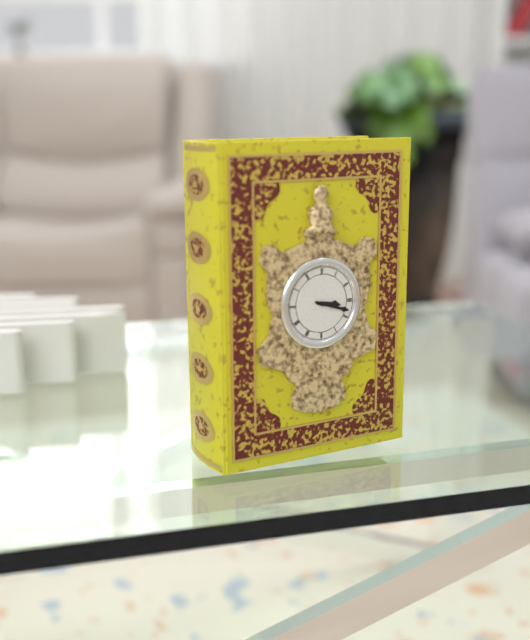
3:18
